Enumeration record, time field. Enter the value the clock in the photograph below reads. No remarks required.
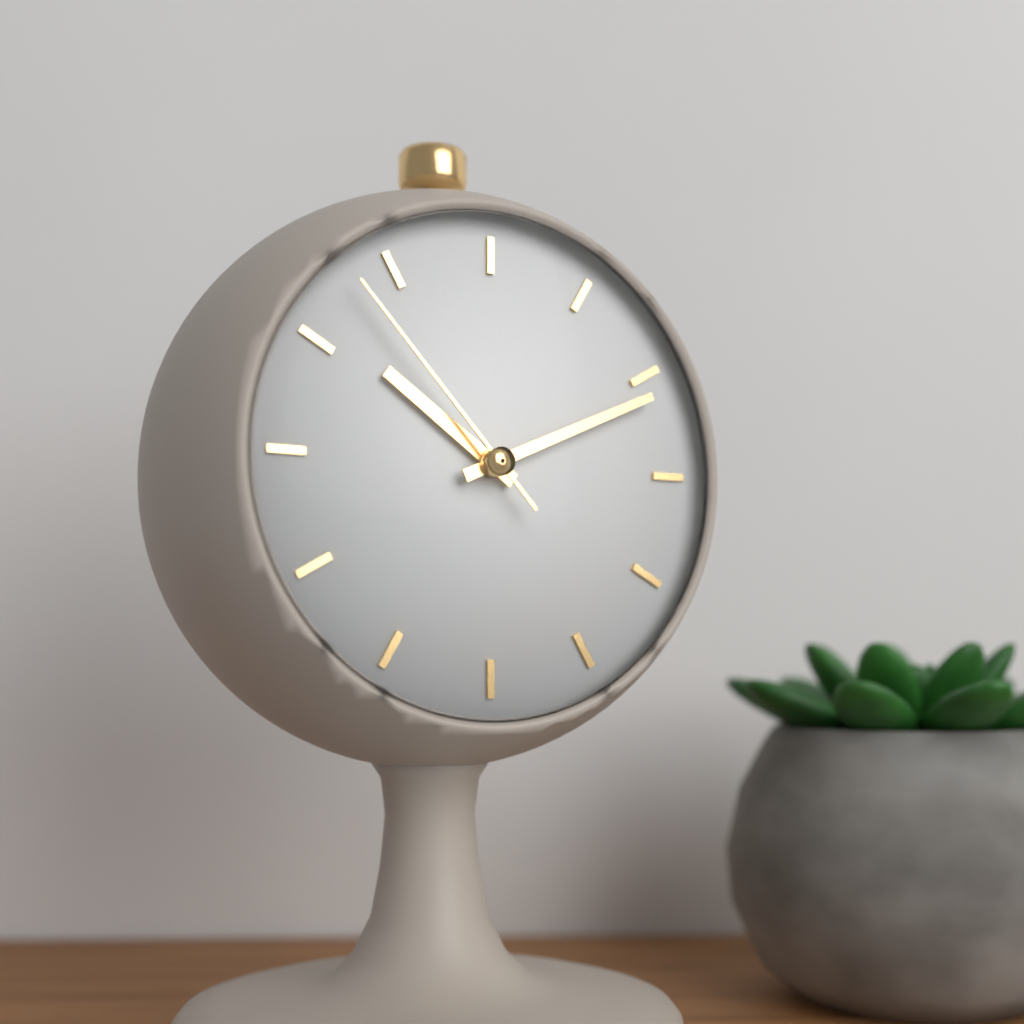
10:11:53
